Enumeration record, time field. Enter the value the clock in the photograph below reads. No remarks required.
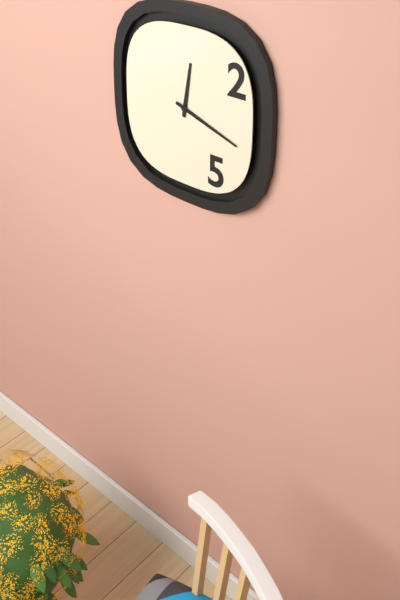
12:18
